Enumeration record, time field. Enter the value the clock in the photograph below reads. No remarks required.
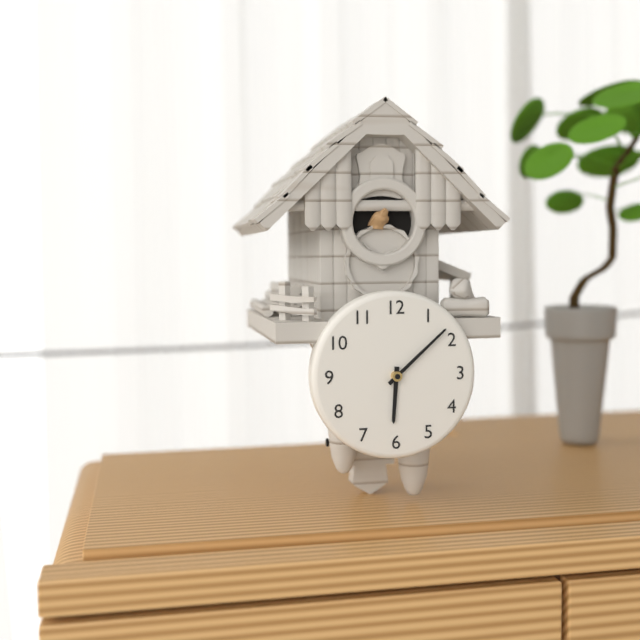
6:08
